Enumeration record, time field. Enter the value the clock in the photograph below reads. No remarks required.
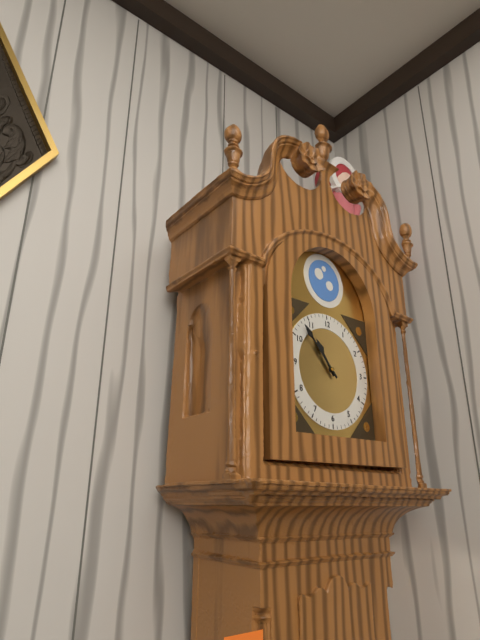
10:53
